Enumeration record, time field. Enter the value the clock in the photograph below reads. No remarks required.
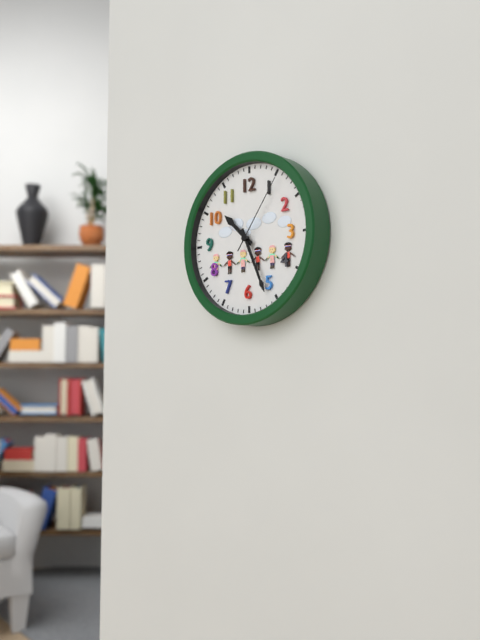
10:26:06
